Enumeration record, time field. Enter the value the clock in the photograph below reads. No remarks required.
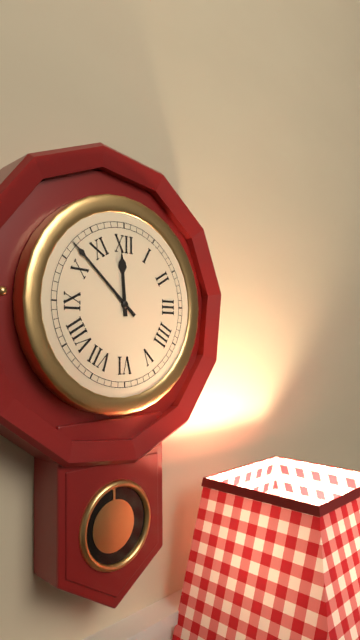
11:52
